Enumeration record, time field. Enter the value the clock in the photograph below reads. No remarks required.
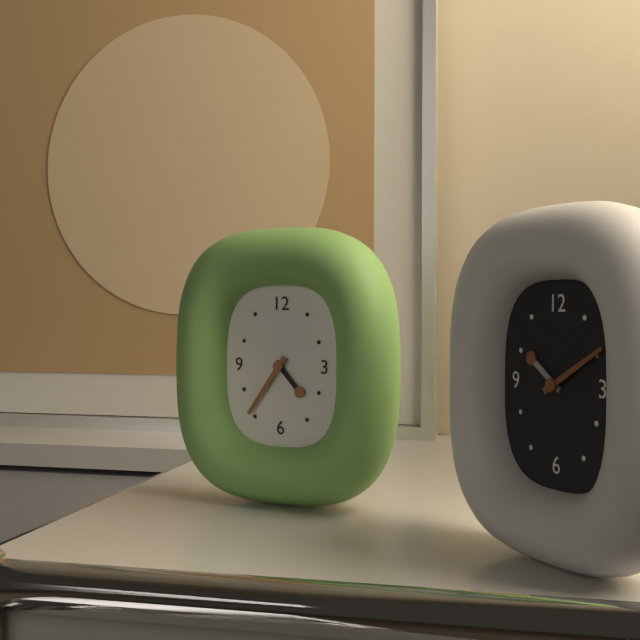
4:36
